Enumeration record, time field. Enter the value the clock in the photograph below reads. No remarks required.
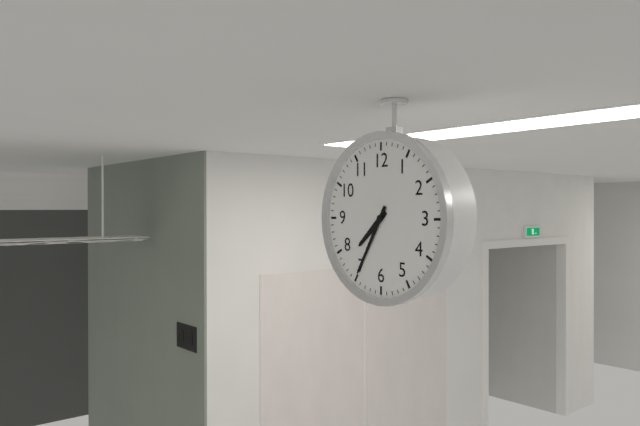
7:35
